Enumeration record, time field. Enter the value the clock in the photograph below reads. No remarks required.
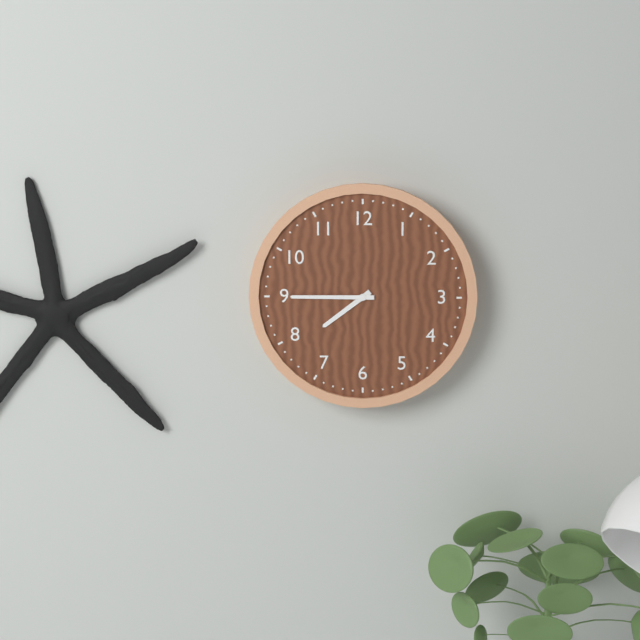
7:45
